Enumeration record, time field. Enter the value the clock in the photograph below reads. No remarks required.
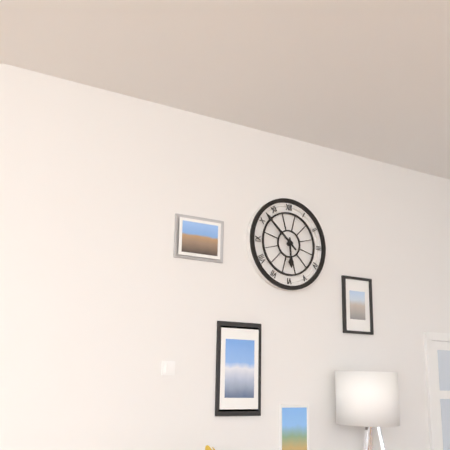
5:52
